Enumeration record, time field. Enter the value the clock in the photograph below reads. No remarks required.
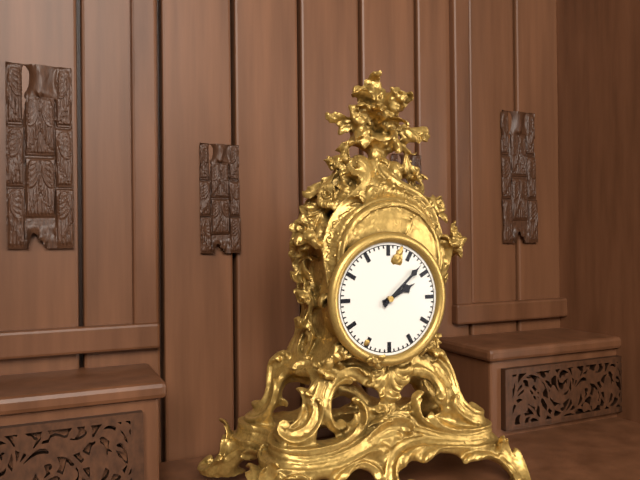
2:08
